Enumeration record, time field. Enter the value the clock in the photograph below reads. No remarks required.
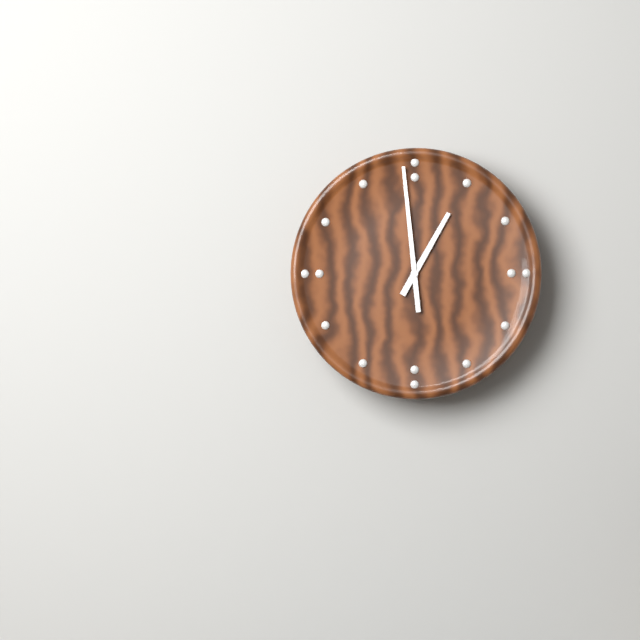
12:59
